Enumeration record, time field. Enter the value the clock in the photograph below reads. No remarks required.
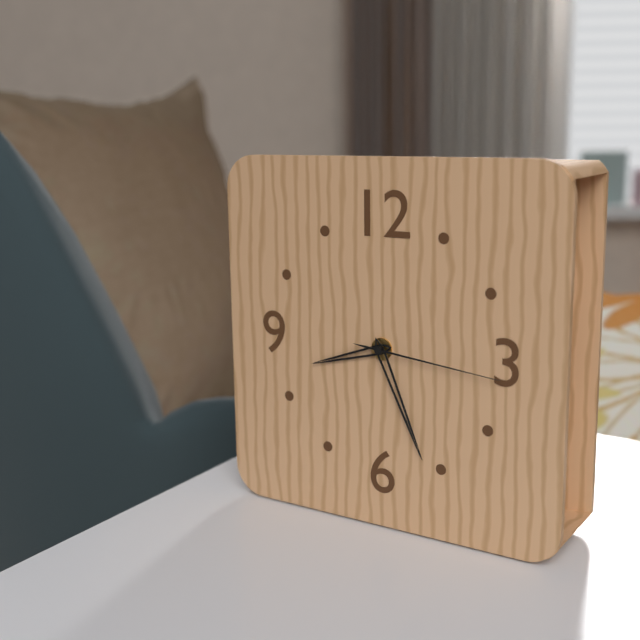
8:26:16
